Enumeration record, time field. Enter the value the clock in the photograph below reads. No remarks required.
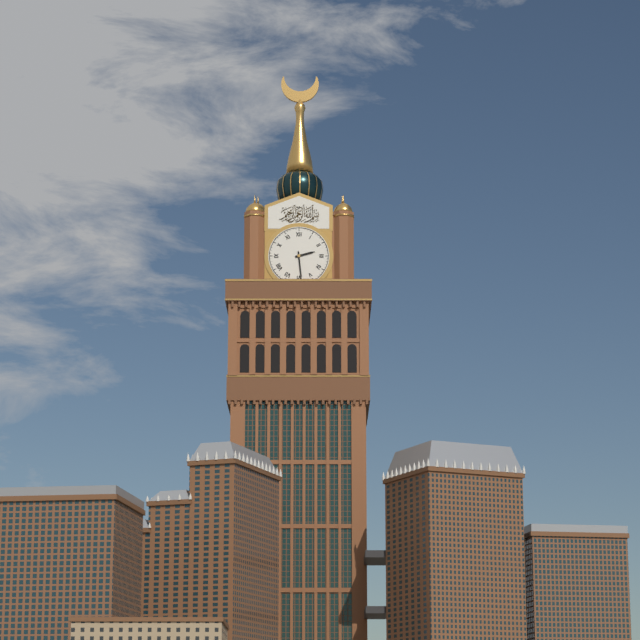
2:29
